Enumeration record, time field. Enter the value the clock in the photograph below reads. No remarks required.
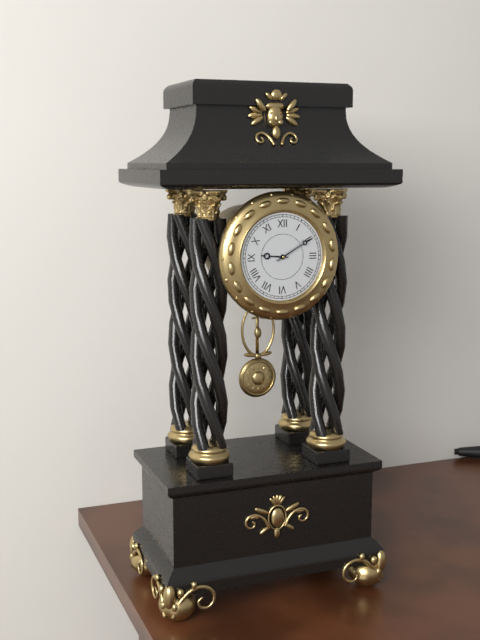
9:10
